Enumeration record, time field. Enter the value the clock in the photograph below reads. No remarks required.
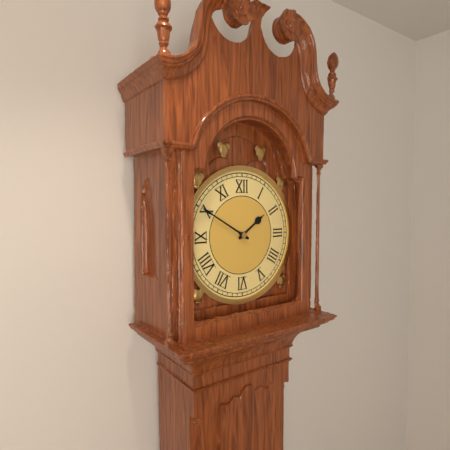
1:50
